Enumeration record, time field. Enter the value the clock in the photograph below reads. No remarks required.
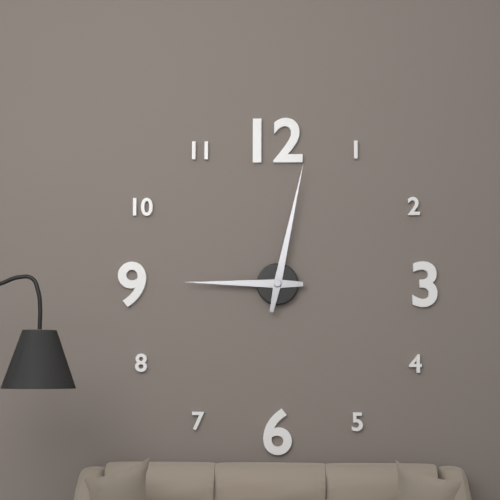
9:02
